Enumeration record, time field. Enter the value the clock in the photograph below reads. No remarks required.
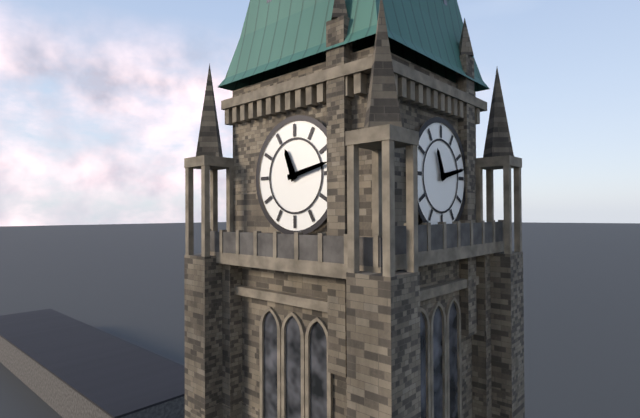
11:13
